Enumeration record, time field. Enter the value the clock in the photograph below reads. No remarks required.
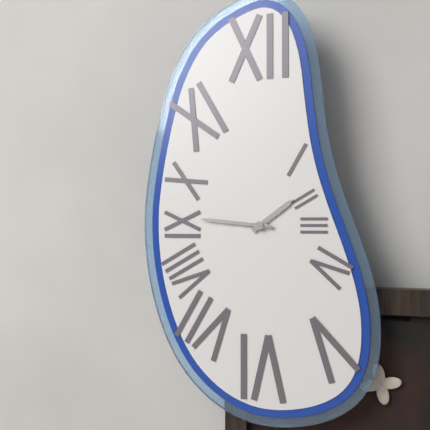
1:46
